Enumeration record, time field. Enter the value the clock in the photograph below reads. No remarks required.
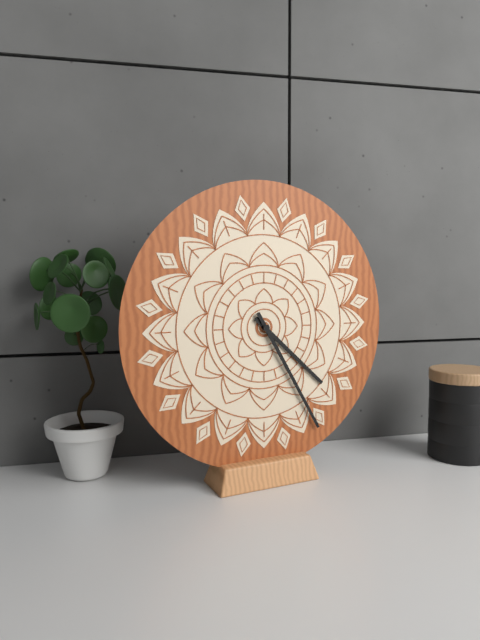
4:25
